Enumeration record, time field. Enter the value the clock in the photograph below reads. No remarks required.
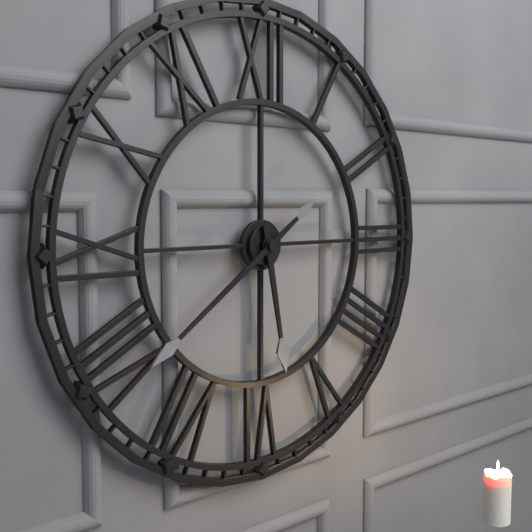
5:39
